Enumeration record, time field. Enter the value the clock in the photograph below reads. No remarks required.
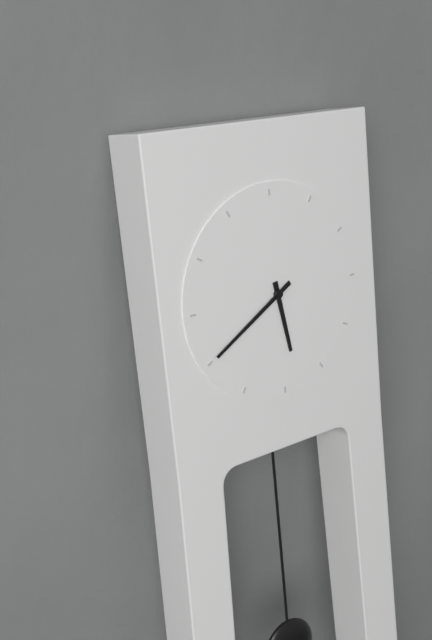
5:40
